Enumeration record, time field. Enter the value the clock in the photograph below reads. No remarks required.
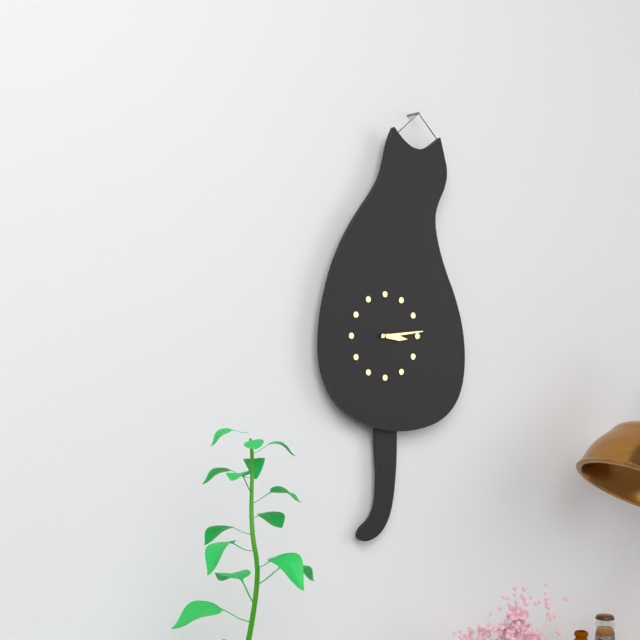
3:14
